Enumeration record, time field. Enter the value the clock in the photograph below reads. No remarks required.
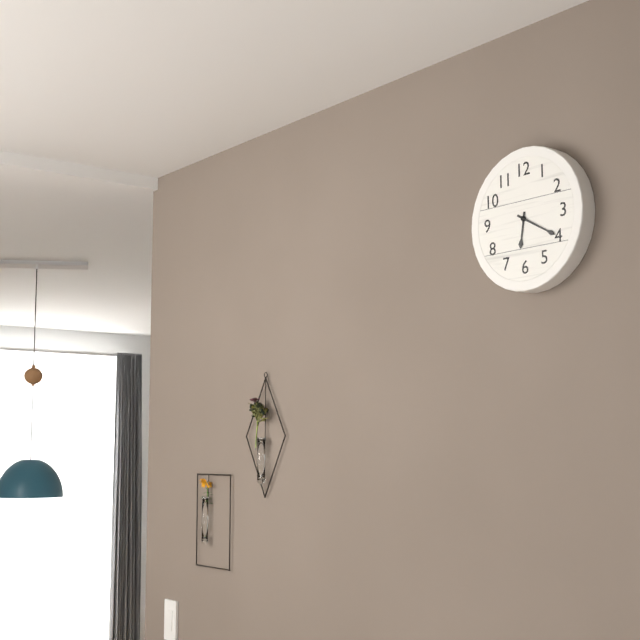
6:20
